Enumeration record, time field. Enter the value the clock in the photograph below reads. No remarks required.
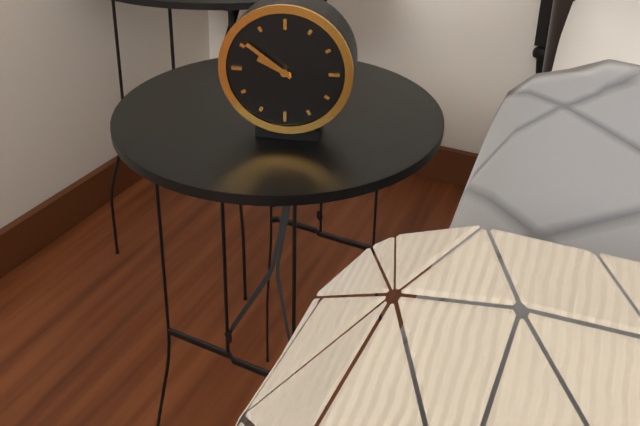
9:51
